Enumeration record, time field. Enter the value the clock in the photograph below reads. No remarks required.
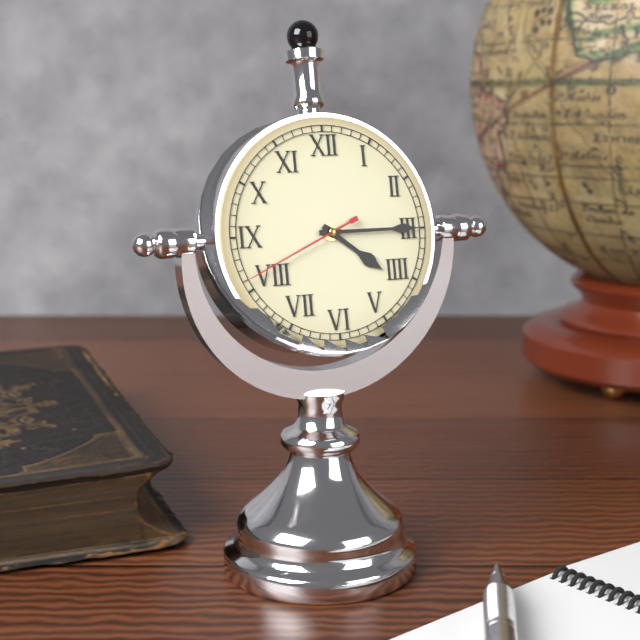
4:15:41
